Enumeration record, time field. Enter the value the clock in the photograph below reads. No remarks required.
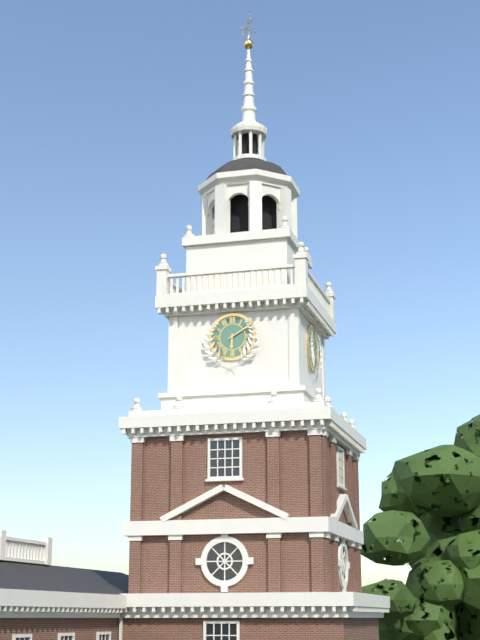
6:10
